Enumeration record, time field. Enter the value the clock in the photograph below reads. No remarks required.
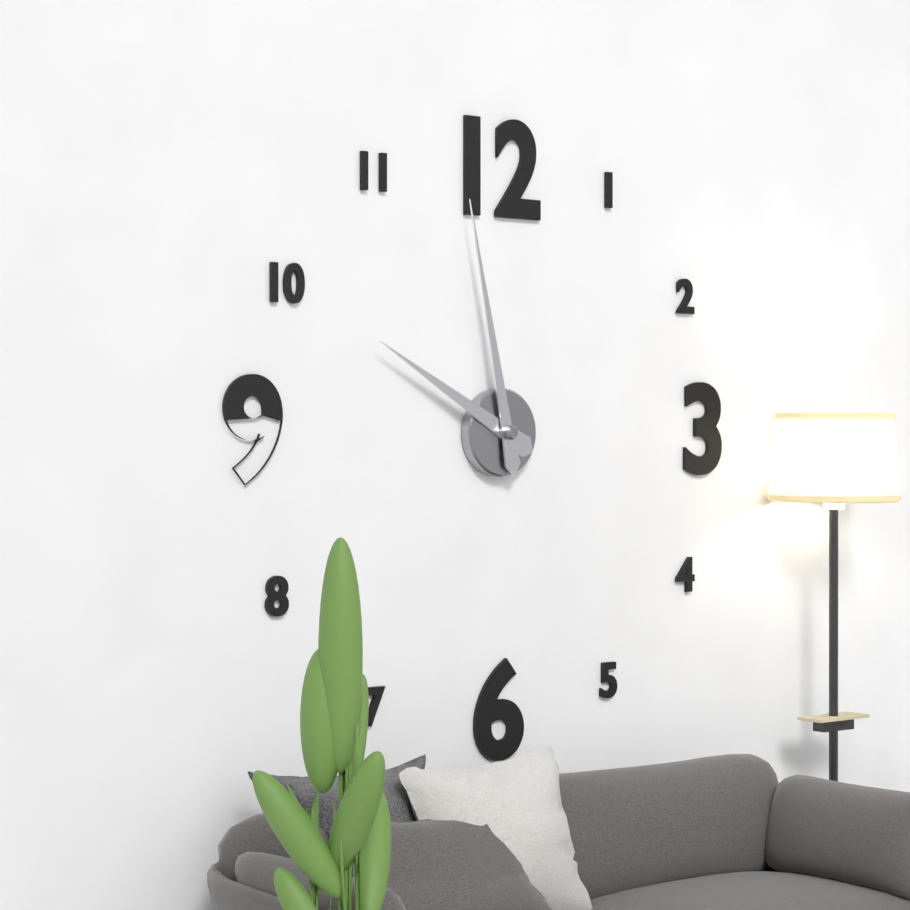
9:58
